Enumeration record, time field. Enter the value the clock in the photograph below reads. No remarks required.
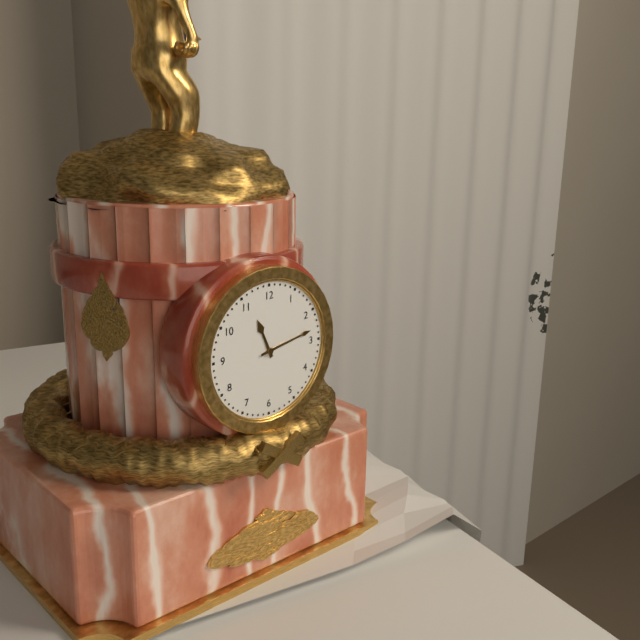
11:13
